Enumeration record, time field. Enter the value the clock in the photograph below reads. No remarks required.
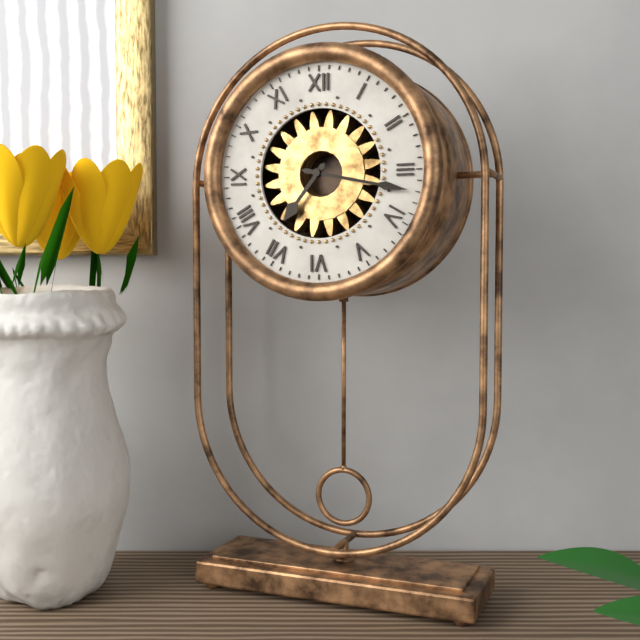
7:17
